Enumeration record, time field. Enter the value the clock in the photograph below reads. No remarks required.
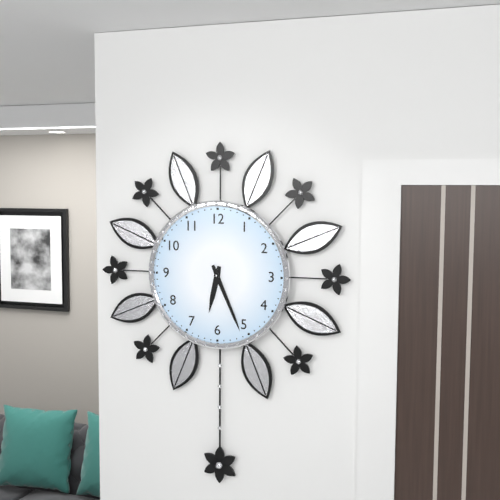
6:26
